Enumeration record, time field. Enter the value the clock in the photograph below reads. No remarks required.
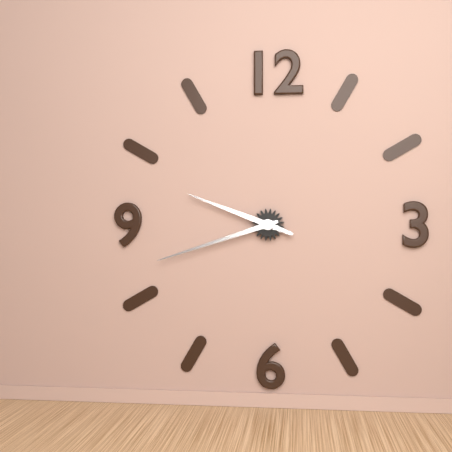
9:42
